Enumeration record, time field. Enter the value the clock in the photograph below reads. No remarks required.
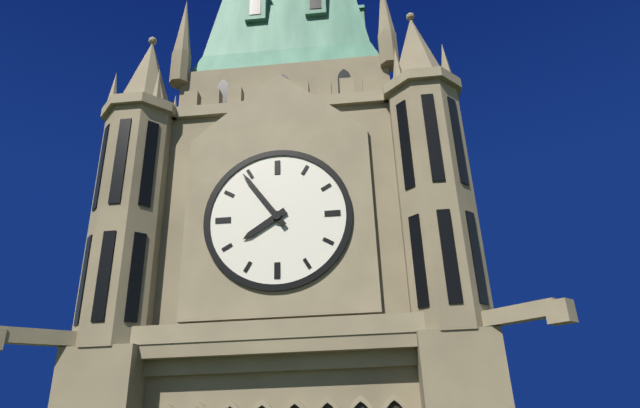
7:54
